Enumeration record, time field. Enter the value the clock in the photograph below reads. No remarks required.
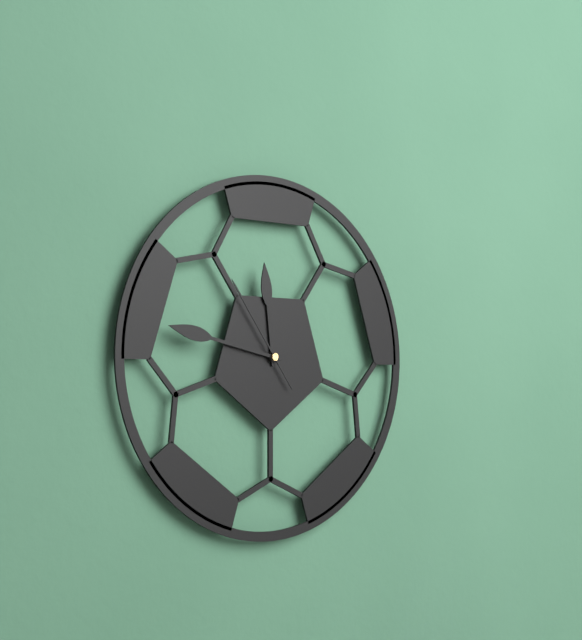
11:47:54
